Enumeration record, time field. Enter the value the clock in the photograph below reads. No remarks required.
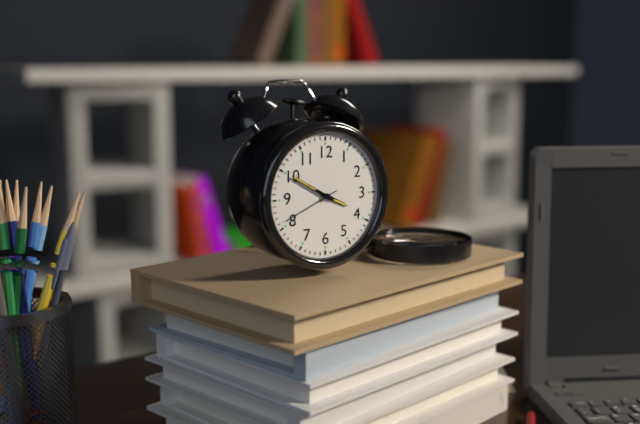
3:50:41
